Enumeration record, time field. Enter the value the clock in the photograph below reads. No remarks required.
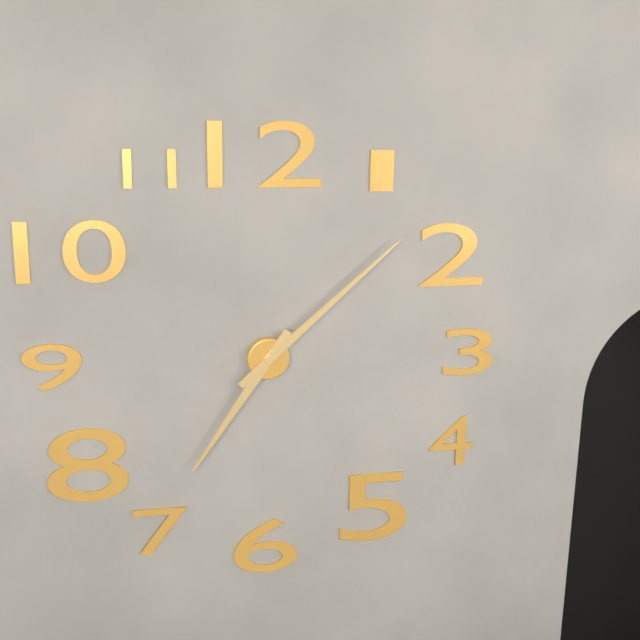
7:08
